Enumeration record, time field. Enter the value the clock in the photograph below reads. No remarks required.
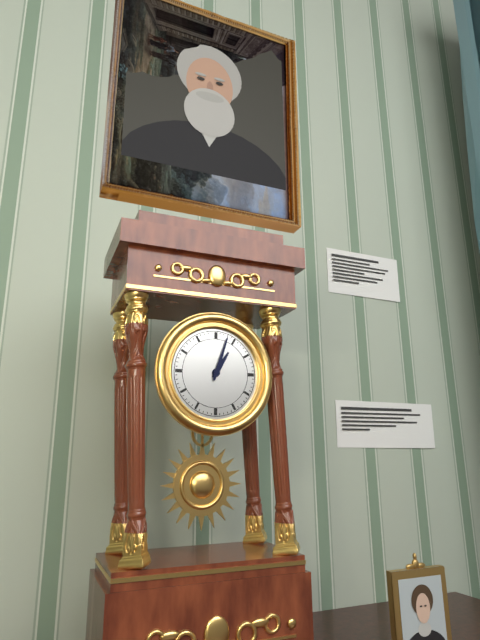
1:03
